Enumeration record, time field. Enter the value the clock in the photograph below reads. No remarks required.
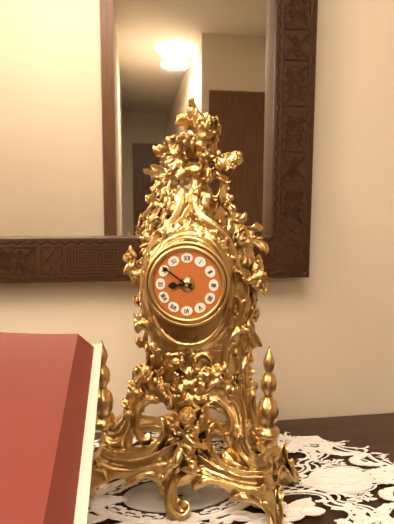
8:51
